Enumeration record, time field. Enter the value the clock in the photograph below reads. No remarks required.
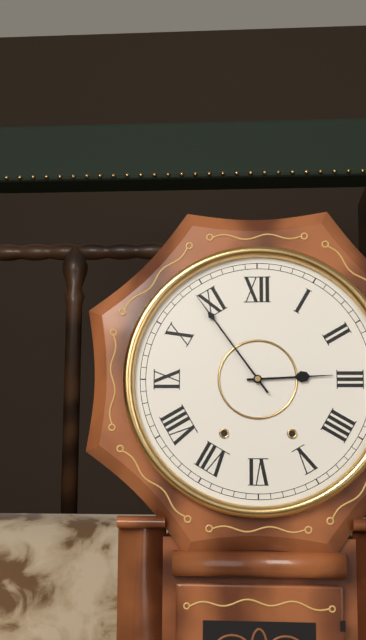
2:54
